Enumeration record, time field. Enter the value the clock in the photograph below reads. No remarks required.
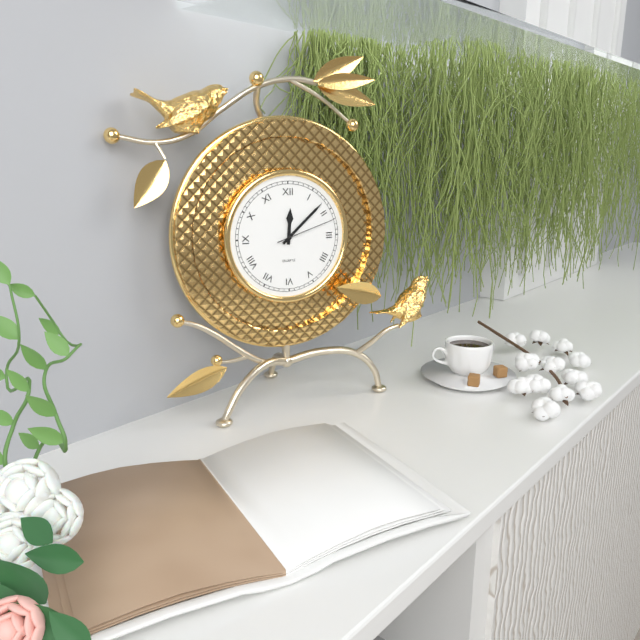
12:08:12
